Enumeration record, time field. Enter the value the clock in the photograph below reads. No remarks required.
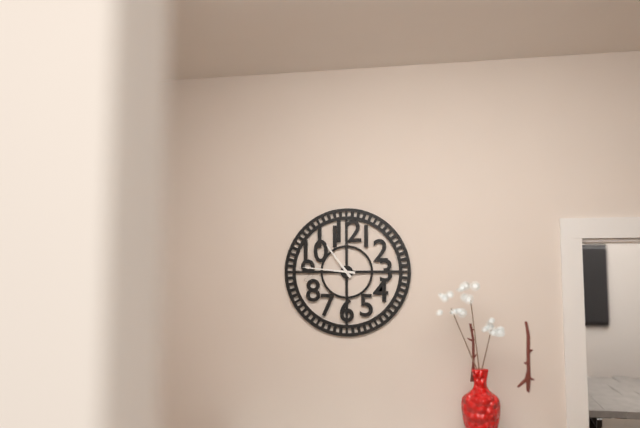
10:46
